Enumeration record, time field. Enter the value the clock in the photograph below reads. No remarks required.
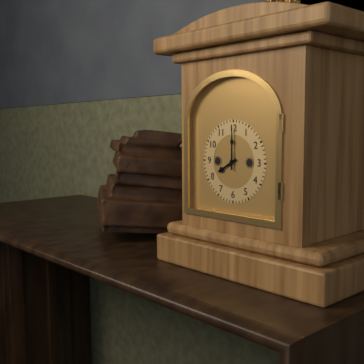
8:00
